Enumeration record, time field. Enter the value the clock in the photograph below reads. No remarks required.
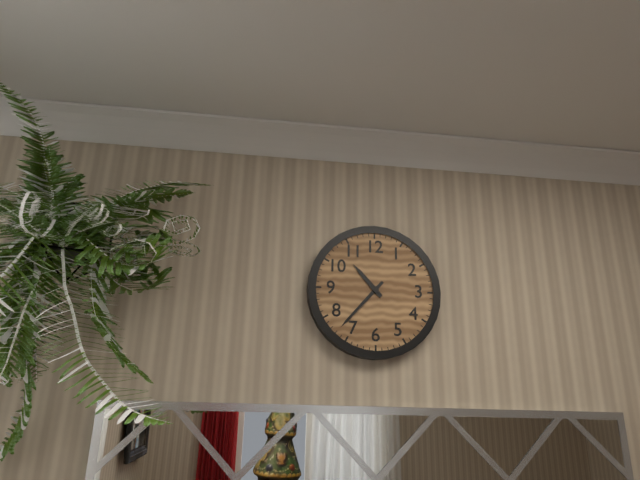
10:37
